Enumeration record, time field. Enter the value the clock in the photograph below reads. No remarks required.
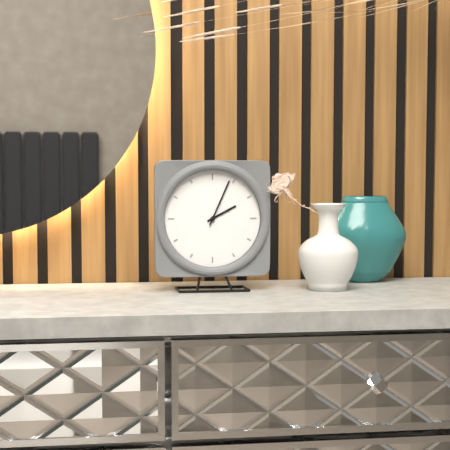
2:04
